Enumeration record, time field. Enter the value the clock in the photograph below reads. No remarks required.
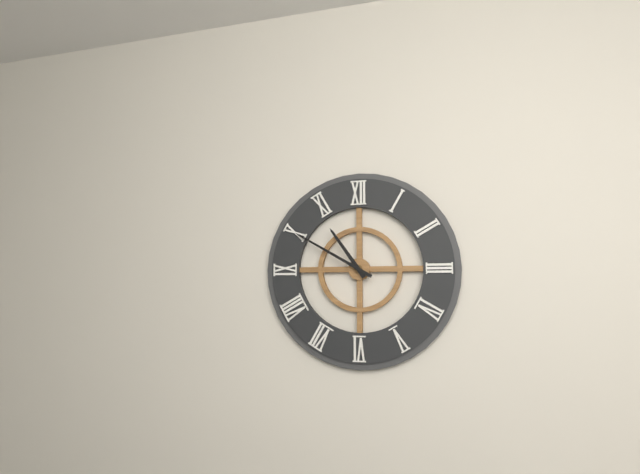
10:50
